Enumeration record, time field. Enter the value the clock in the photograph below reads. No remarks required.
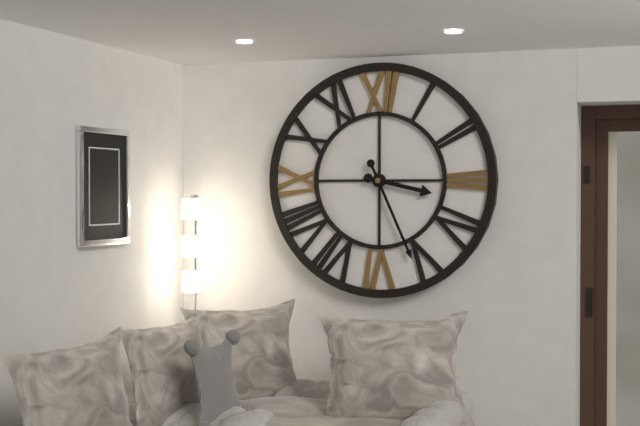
3:26
